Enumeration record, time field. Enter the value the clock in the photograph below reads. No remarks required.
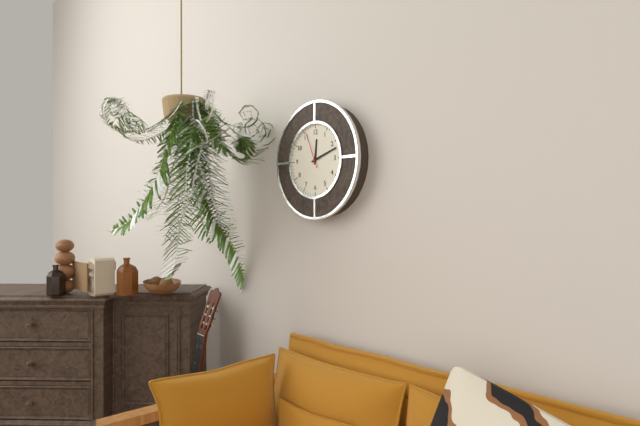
12:12
